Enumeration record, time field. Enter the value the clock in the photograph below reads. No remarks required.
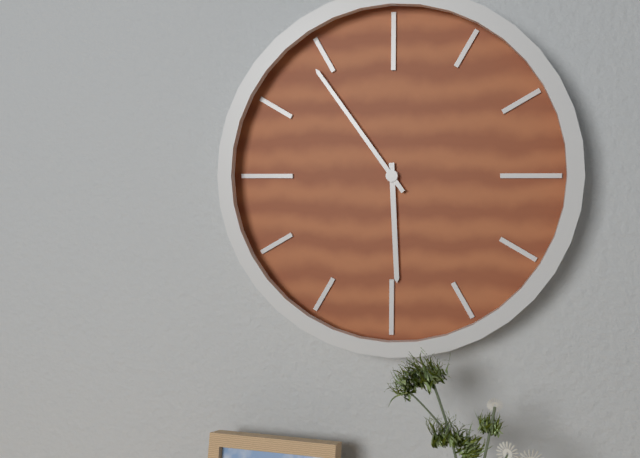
5:54
